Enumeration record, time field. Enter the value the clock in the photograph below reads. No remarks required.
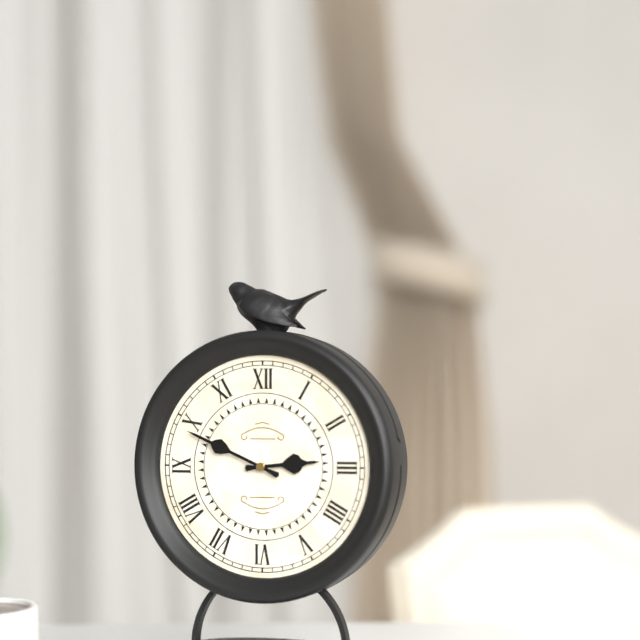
2:49
